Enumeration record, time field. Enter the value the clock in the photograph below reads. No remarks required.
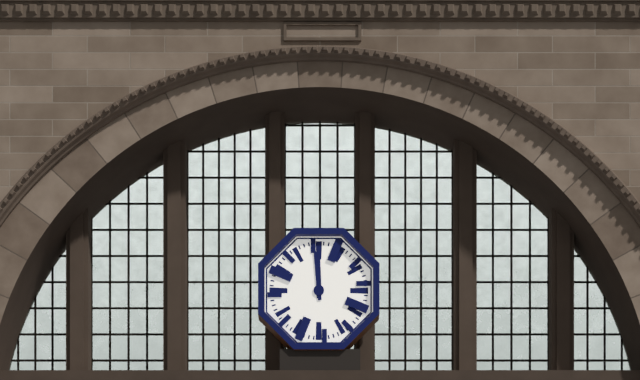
11:59
